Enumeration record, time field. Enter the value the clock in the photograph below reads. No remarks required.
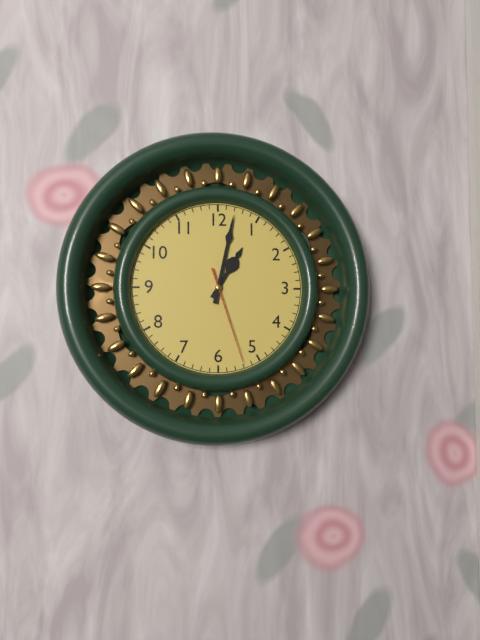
1:02:27
